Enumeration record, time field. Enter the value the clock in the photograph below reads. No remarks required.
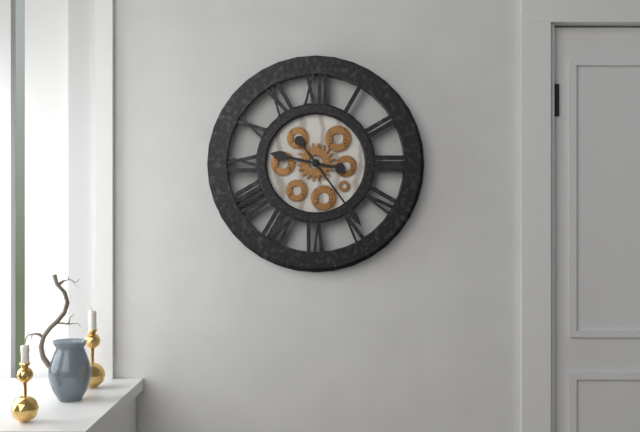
9:24
